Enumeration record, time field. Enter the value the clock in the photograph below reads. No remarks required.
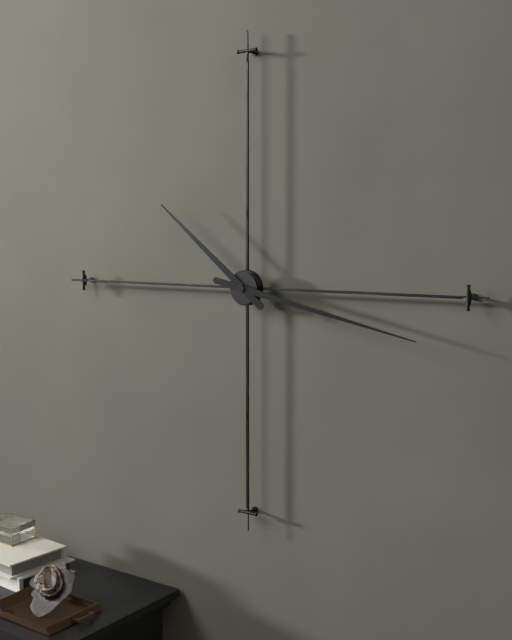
10:17
